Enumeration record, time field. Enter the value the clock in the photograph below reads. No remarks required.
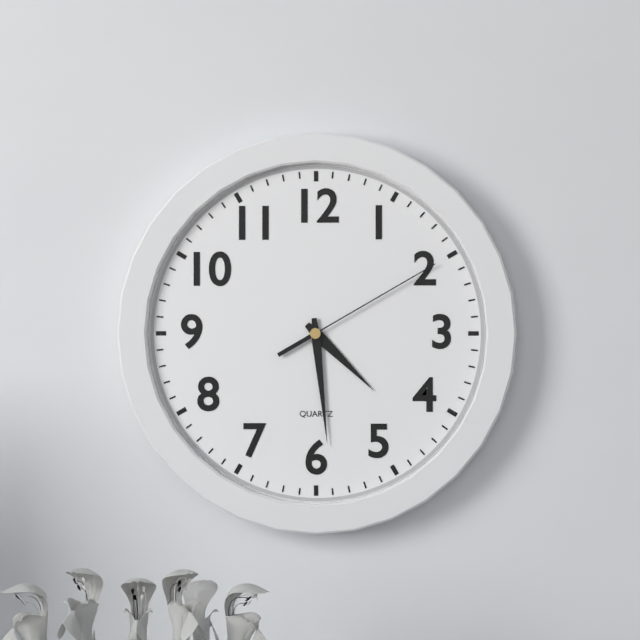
4:29:10
